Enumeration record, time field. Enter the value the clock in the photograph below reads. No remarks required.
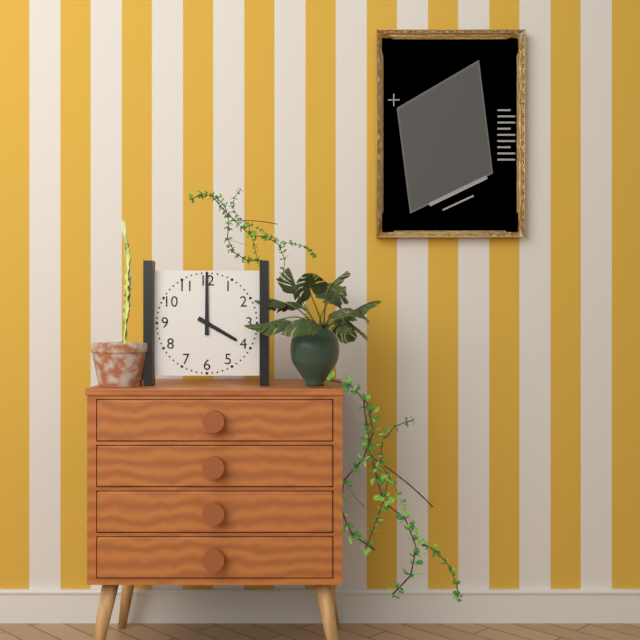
4:00
